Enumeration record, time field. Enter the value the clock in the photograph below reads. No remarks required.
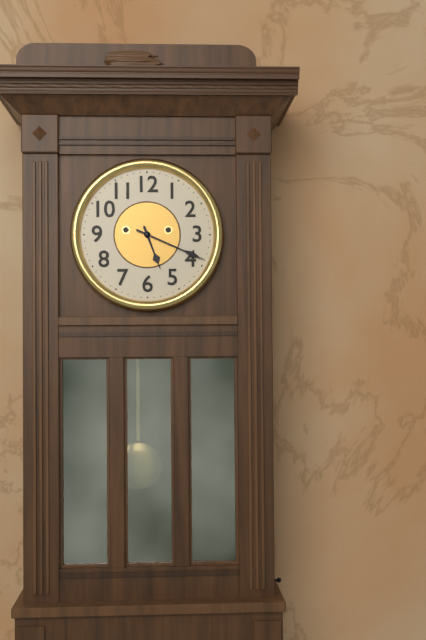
5:19
